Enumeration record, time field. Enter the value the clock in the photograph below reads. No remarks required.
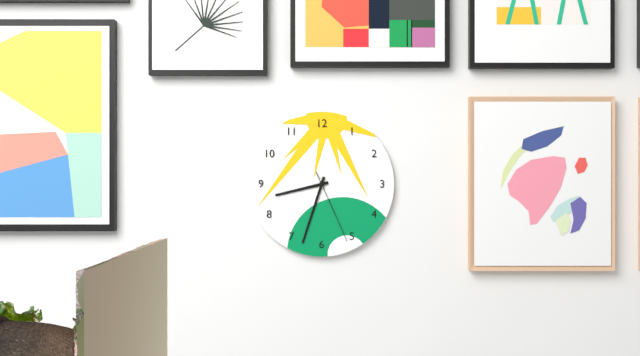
8:33:26
